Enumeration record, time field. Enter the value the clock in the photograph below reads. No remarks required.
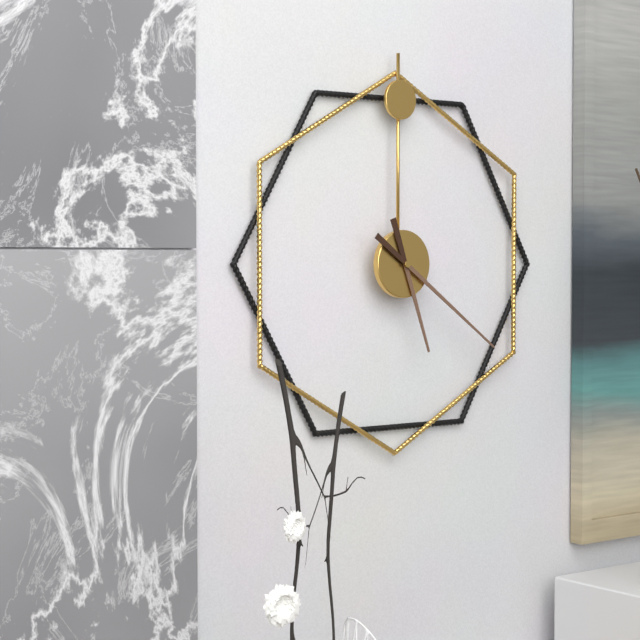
5:21
